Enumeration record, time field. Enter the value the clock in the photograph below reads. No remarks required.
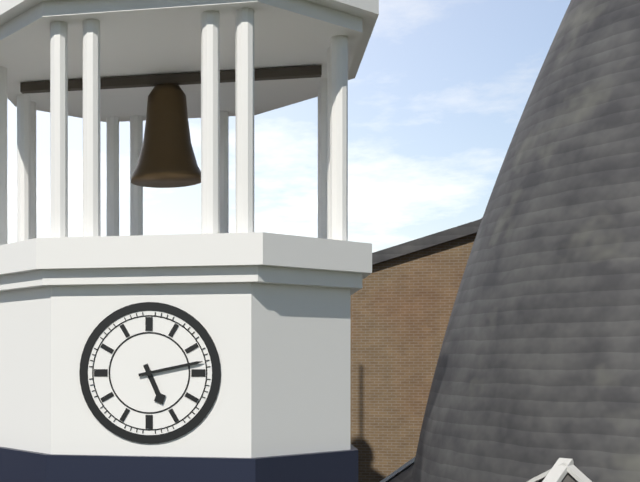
5:13
